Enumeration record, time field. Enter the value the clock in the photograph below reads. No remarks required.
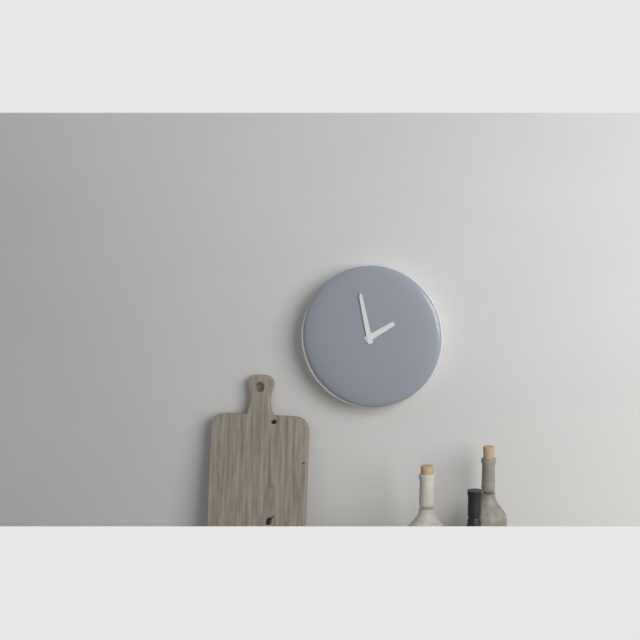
1:58
